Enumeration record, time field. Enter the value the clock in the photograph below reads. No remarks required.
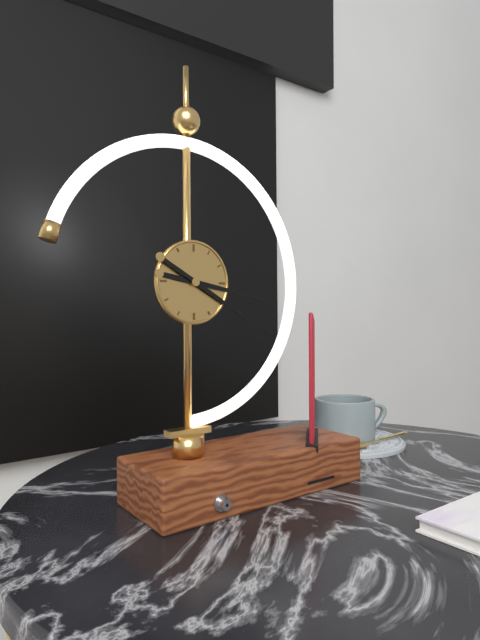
3:20
